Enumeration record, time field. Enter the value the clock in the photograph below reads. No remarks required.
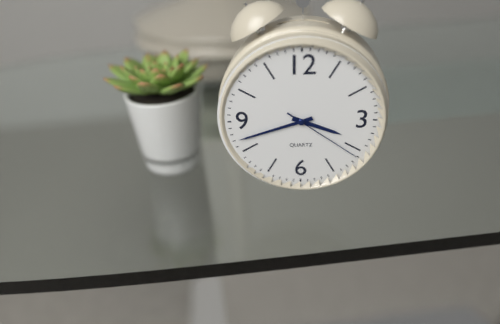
3:42:21
